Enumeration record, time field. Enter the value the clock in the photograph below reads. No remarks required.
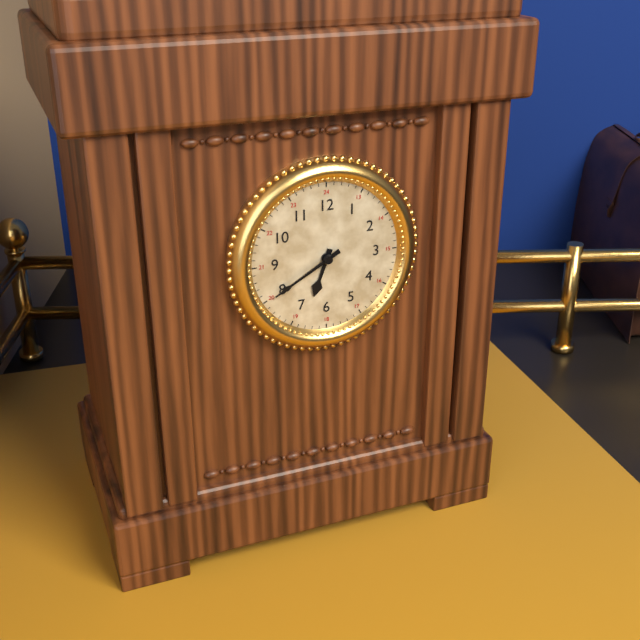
6:40
